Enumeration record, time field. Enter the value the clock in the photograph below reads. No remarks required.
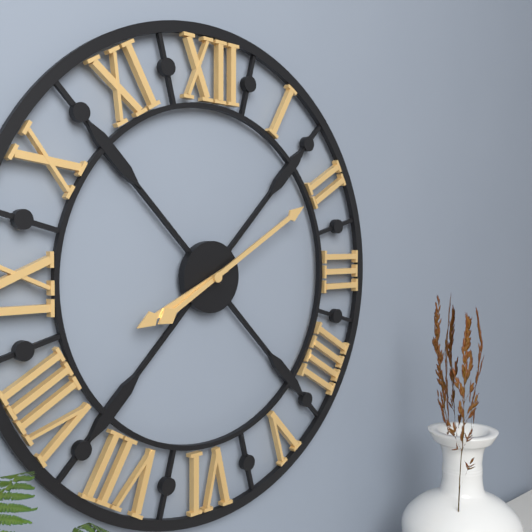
8:10
